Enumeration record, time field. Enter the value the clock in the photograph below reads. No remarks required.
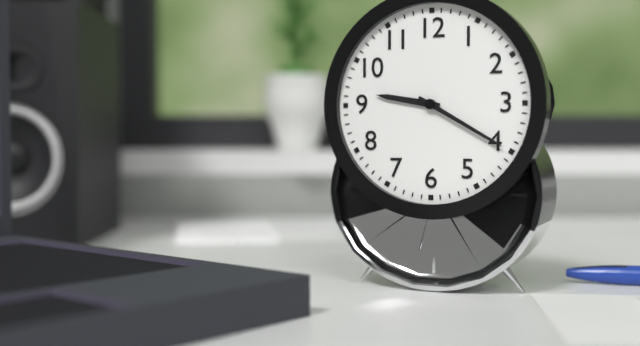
9:20
